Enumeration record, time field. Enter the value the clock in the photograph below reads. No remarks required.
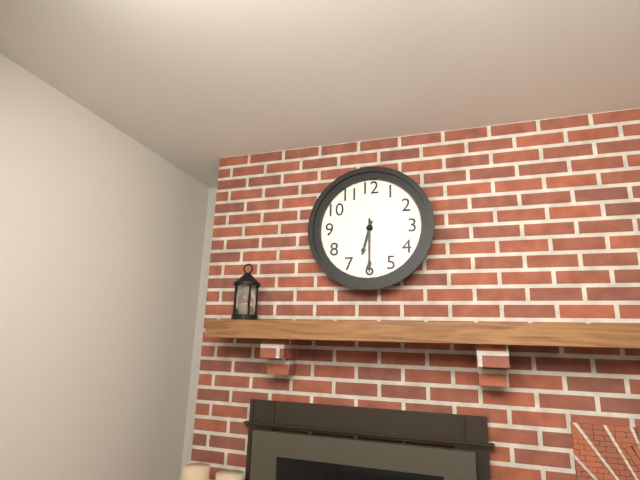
6:30
